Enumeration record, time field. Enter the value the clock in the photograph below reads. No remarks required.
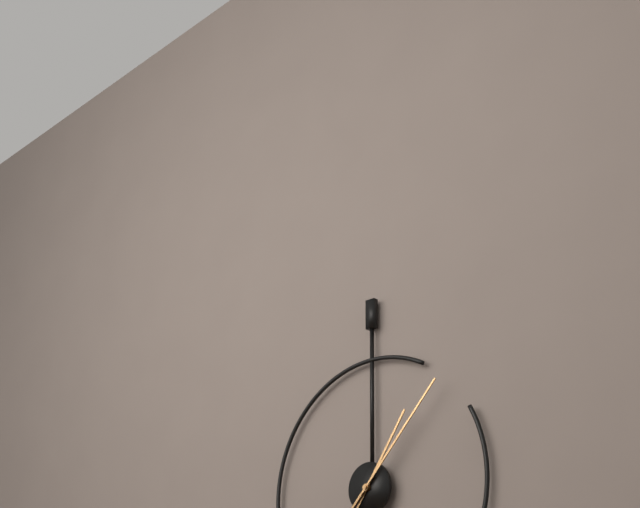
1:07
